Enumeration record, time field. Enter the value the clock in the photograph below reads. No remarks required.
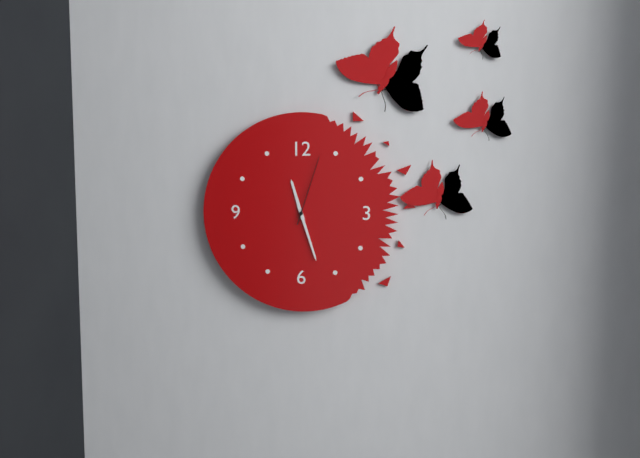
11:27:03
